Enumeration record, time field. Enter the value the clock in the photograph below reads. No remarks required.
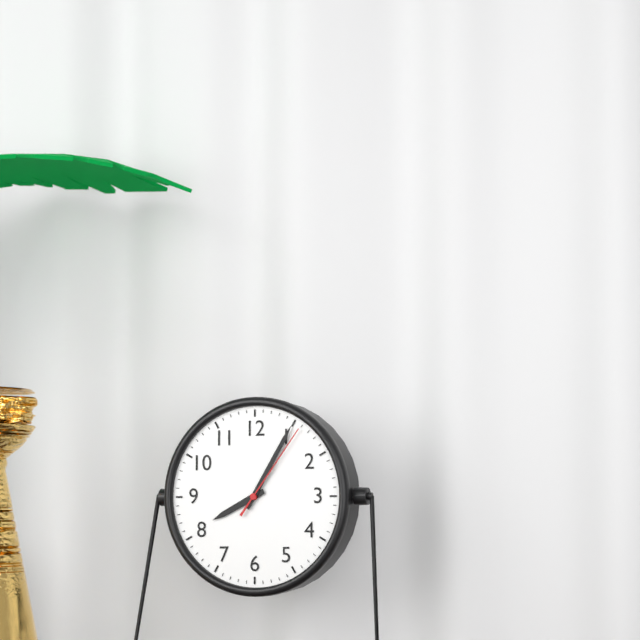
8:05:06
